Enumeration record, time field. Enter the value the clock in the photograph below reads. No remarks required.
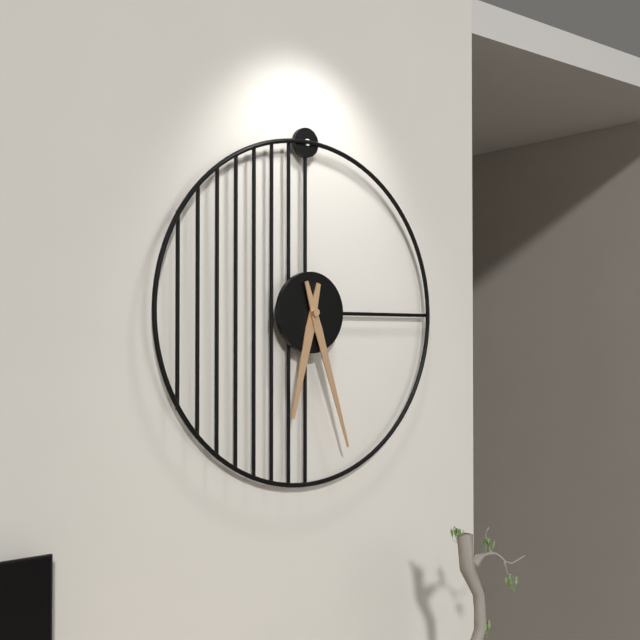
6:27
